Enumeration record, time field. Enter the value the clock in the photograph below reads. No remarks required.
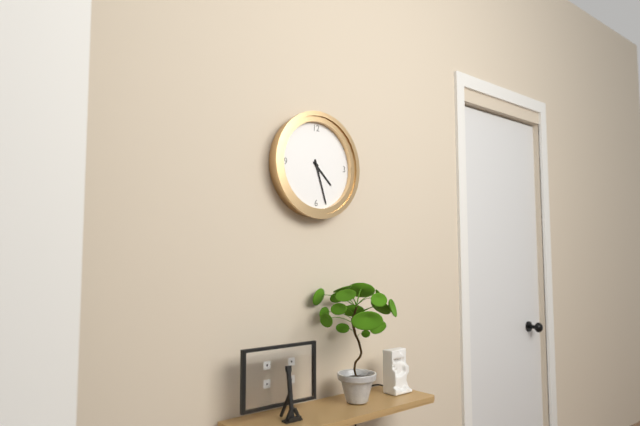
4:27
